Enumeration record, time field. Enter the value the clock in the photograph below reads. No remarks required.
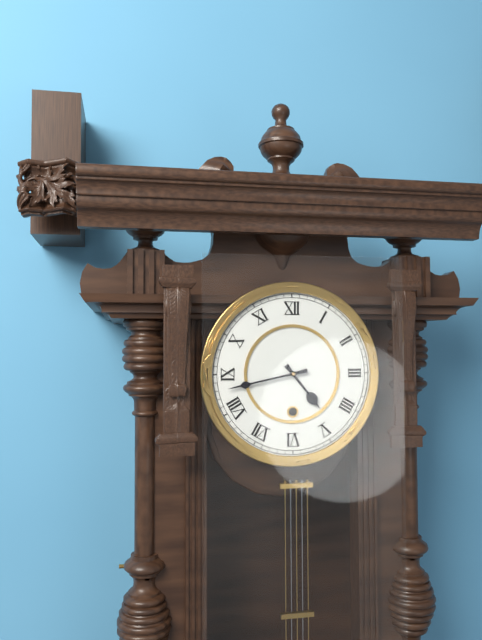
4:43
